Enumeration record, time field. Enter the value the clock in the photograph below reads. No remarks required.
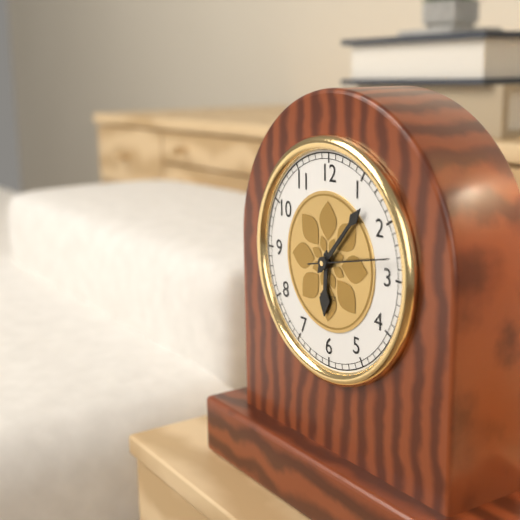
6:07:13
